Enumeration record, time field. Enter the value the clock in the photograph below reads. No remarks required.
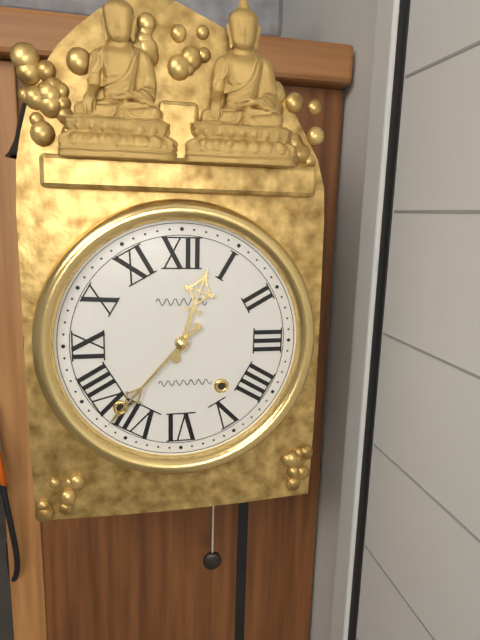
12:37
